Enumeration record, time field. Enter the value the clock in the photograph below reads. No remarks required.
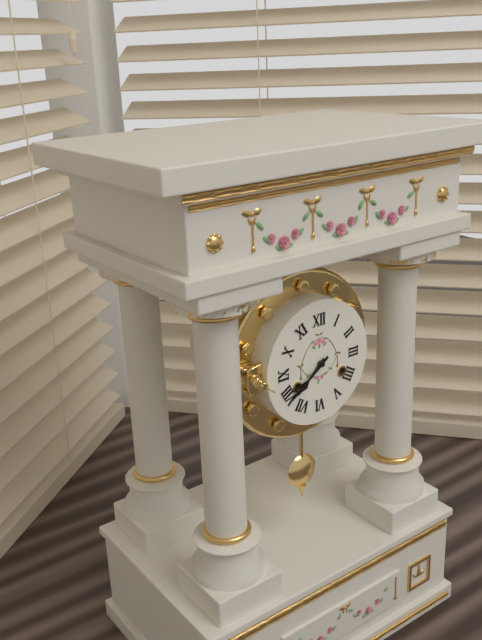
7:39
